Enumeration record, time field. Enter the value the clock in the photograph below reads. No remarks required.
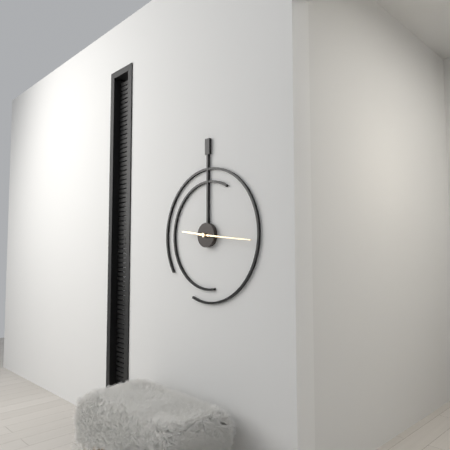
9:16
